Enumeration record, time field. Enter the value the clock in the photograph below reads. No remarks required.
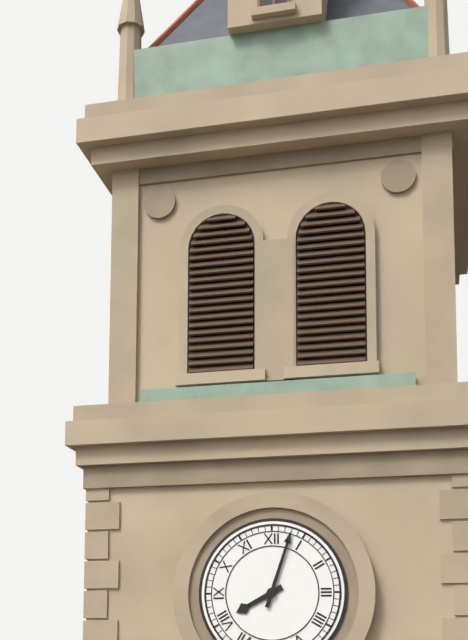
8:03
